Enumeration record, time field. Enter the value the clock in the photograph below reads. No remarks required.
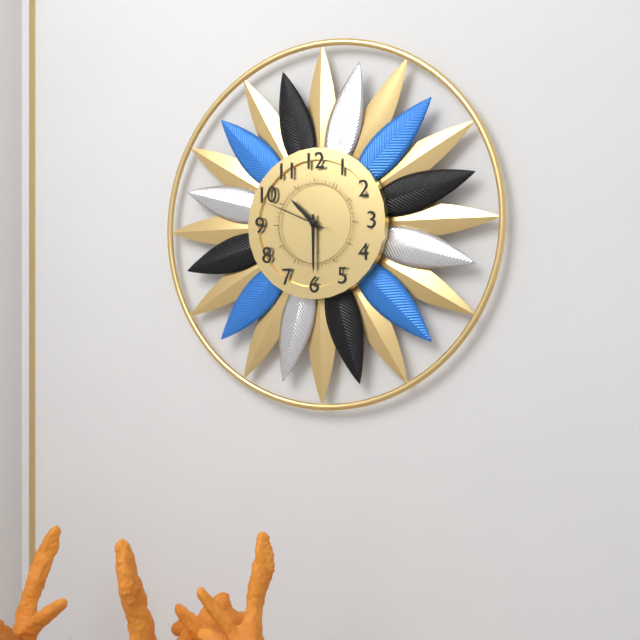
10:30:49
